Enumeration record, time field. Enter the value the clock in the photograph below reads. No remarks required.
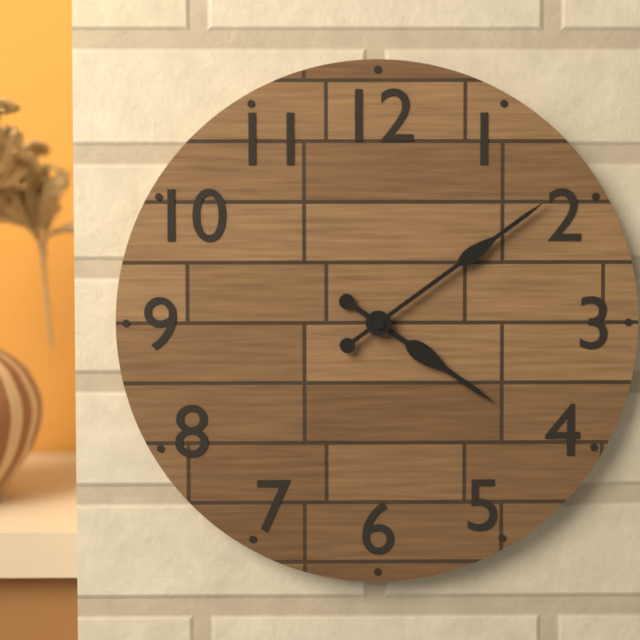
4:09
